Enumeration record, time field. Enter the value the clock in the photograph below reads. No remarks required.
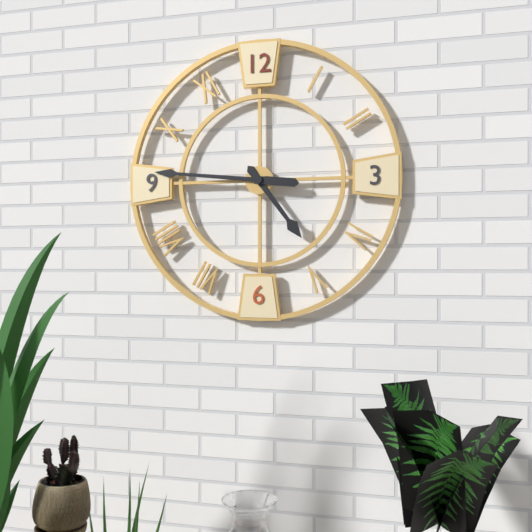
4:46
